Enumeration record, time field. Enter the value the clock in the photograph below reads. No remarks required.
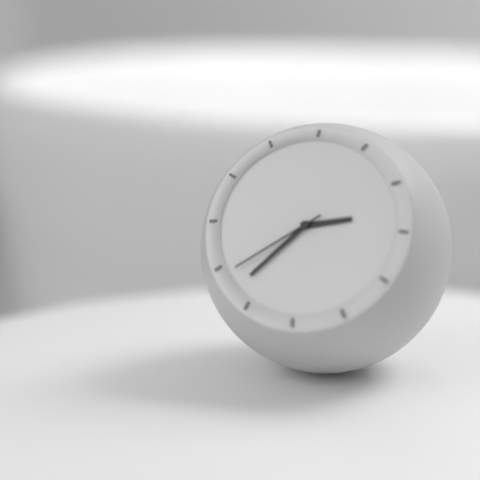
2:37:39
